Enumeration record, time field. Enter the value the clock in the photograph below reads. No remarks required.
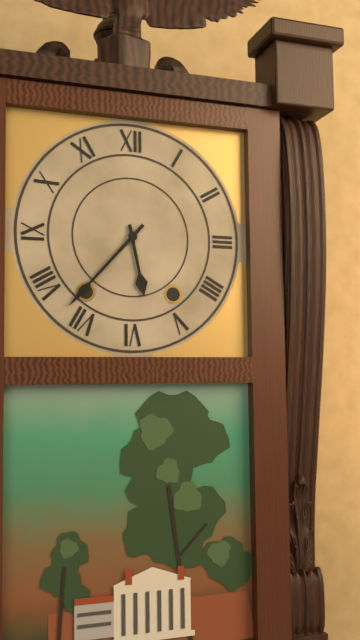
5:37
